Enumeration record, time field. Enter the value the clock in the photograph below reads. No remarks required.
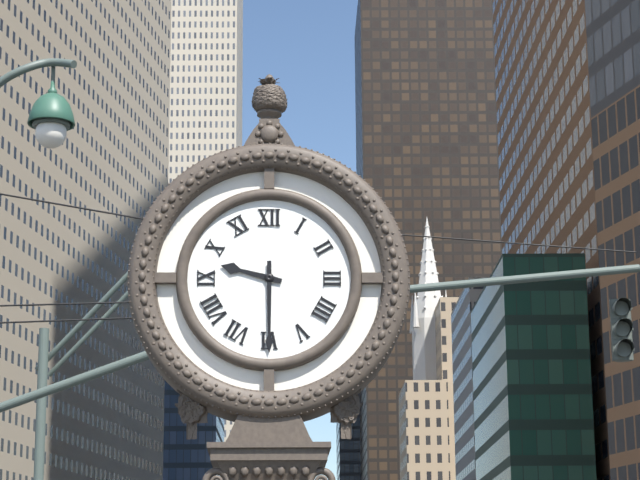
9:30
